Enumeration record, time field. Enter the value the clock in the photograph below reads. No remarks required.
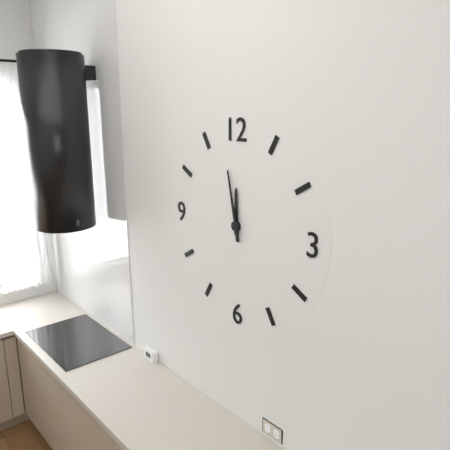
11:58
